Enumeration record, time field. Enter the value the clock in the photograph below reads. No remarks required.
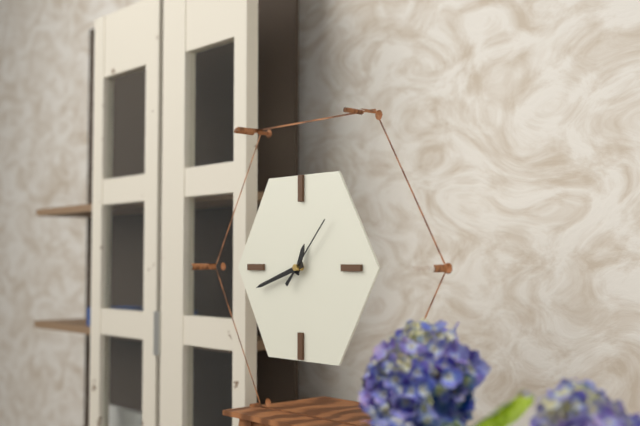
12:42:07
